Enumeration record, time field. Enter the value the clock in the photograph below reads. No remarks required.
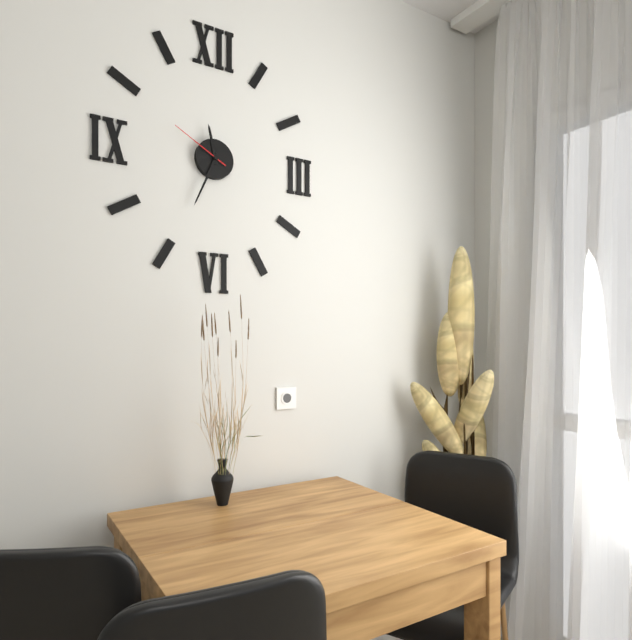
11:34:50
